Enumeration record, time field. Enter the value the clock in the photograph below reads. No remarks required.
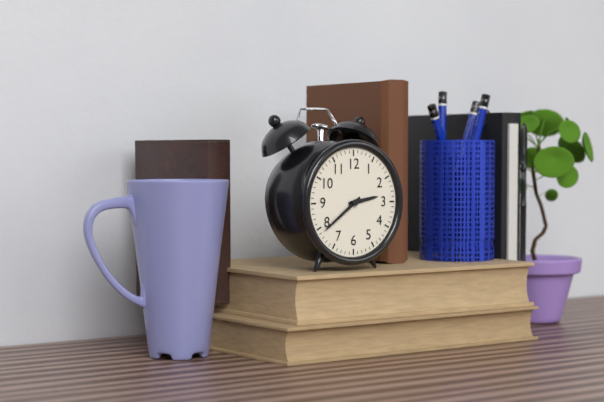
2:39
